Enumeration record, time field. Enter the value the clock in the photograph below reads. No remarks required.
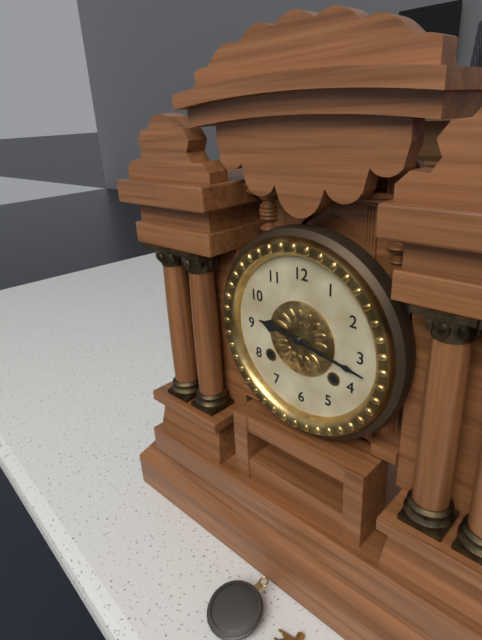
9:17
